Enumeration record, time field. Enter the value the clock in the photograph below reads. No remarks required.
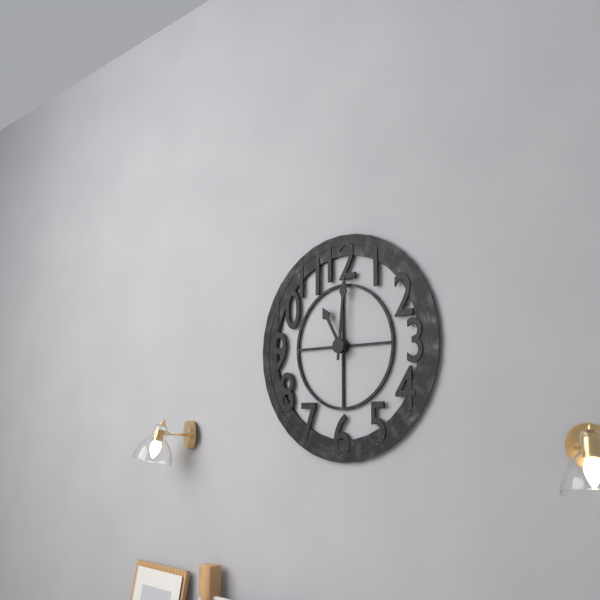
11:01
